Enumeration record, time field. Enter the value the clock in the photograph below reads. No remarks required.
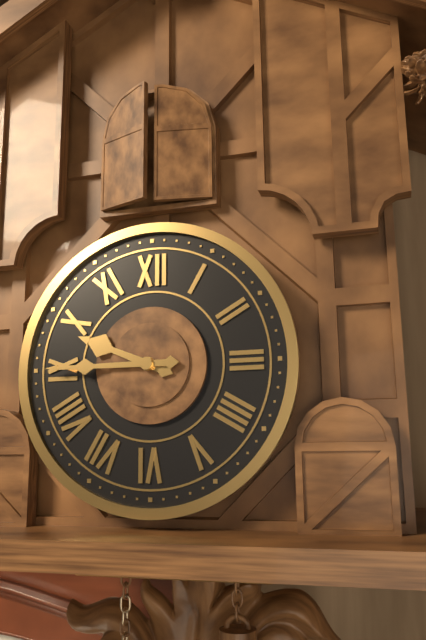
9:45
